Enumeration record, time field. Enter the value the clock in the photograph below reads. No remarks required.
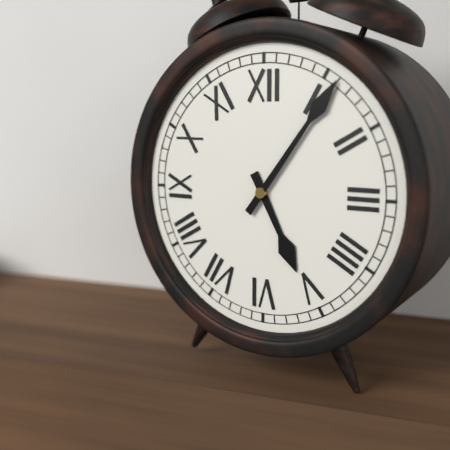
5:06
